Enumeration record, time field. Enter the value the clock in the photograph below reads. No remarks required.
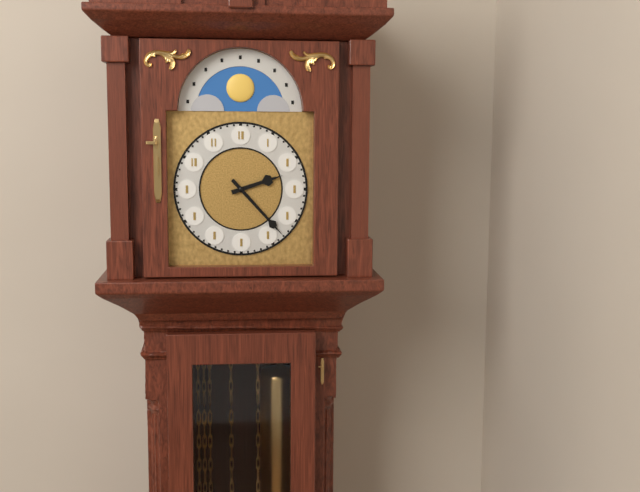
2:23
